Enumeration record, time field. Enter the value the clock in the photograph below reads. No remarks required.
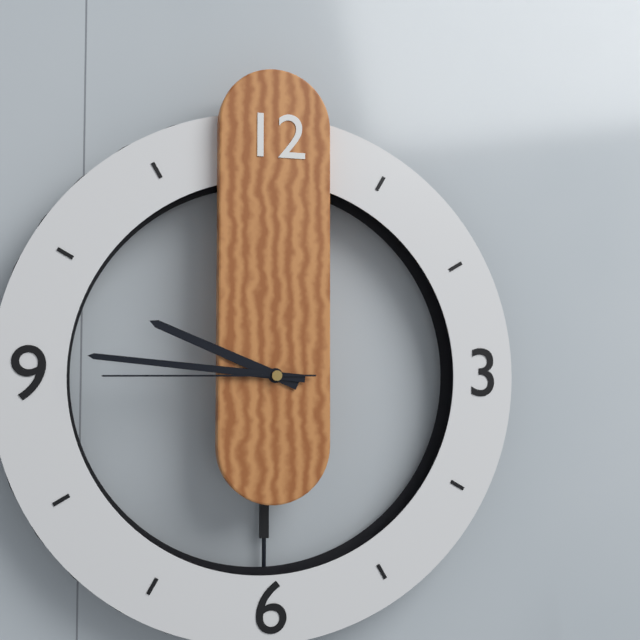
9:46:45
